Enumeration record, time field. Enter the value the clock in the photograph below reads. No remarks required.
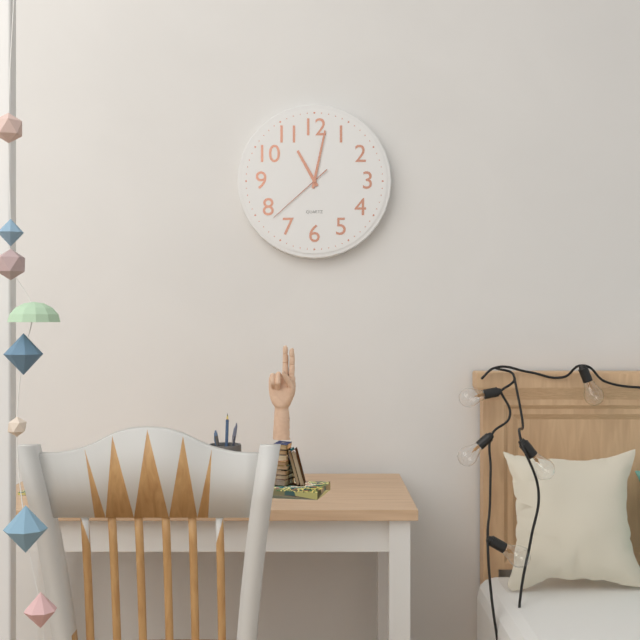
11:02:38
